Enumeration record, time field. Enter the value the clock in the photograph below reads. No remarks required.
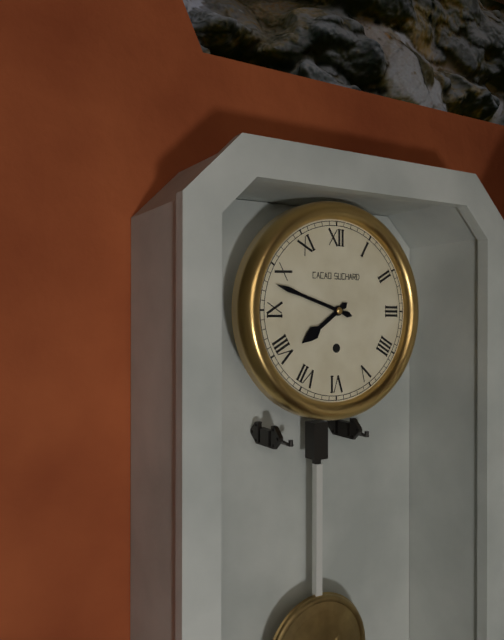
7:48
